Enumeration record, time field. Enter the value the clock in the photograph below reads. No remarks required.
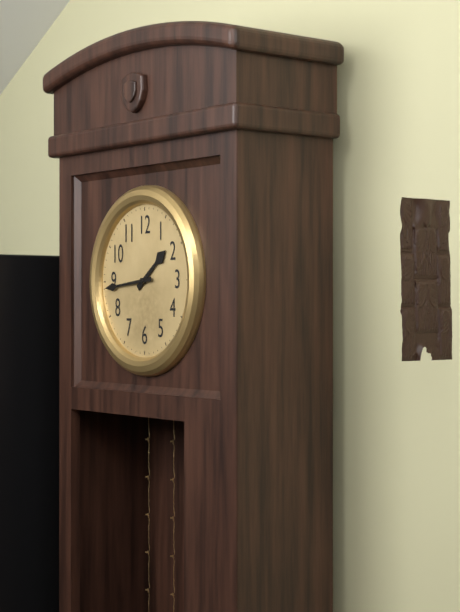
1:44
